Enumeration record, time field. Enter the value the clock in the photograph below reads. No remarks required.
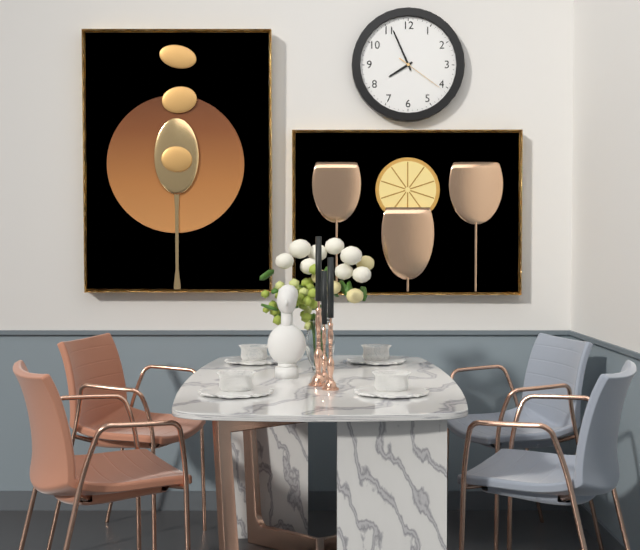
7:56:21
